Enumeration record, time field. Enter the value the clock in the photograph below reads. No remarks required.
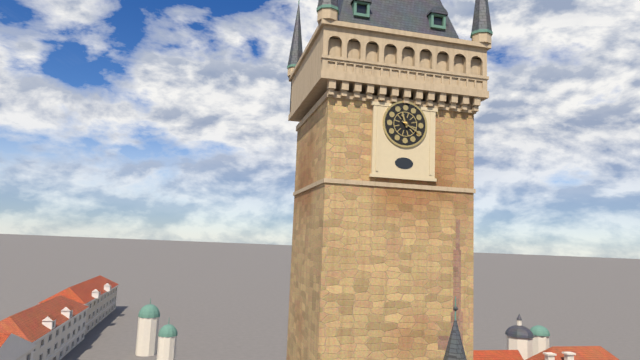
11:20
